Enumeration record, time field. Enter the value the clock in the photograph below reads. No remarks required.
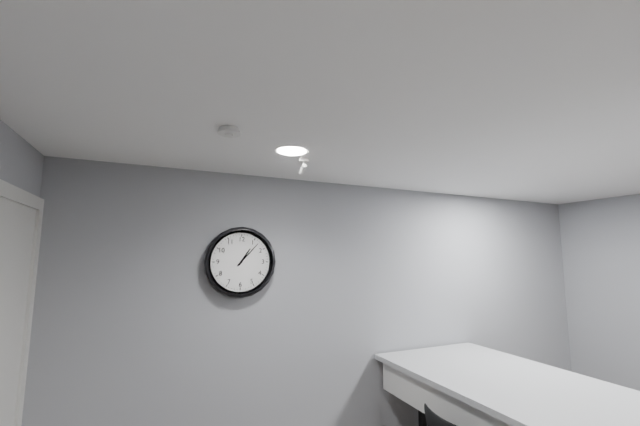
1:07
